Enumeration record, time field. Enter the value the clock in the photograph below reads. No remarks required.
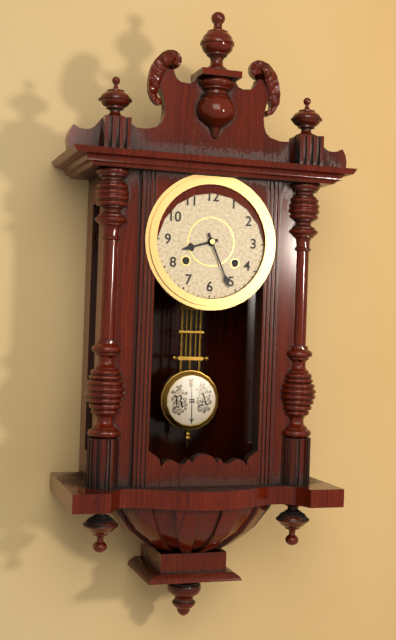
8:26
